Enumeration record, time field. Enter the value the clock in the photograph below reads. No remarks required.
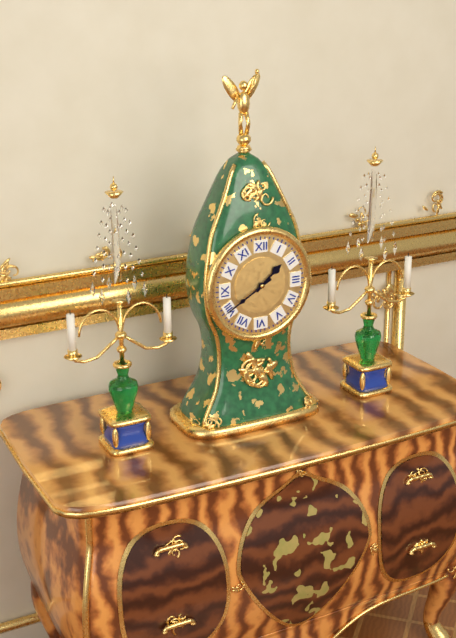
1:40
